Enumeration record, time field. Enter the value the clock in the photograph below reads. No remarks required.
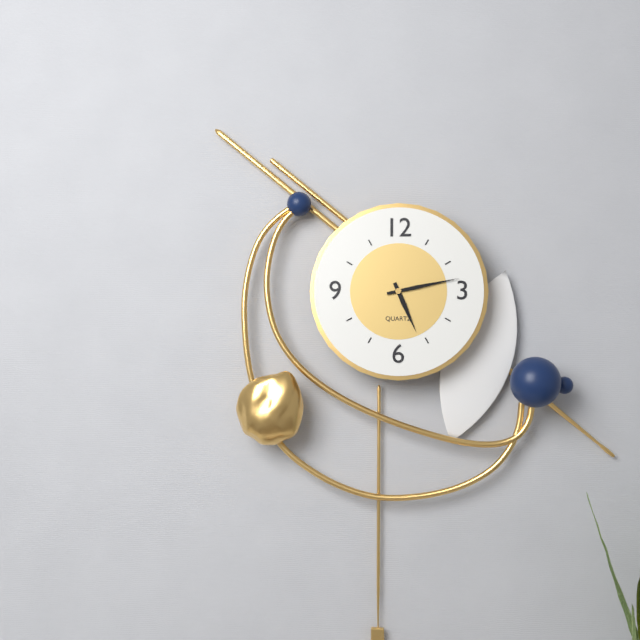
5:13
